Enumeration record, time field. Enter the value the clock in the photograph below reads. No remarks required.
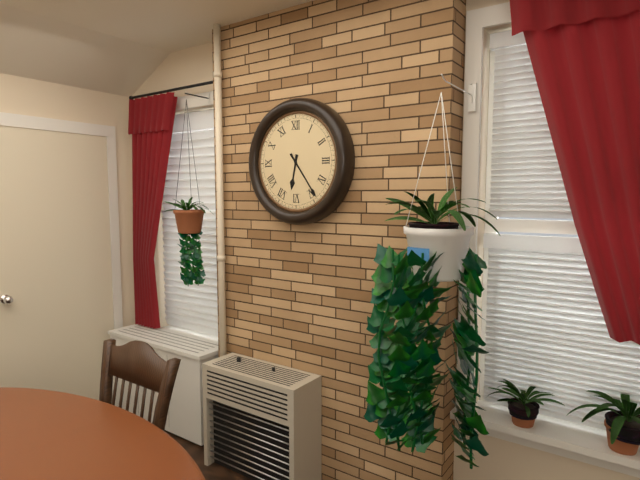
6:24
